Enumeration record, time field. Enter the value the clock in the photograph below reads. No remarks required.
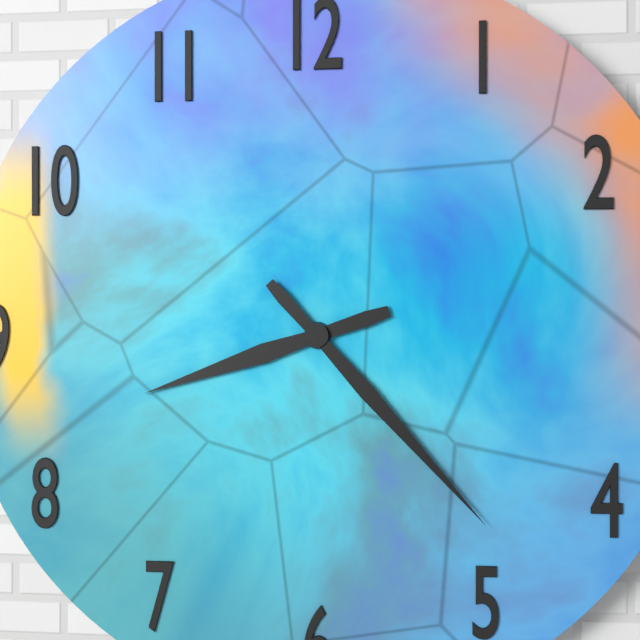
8:23
